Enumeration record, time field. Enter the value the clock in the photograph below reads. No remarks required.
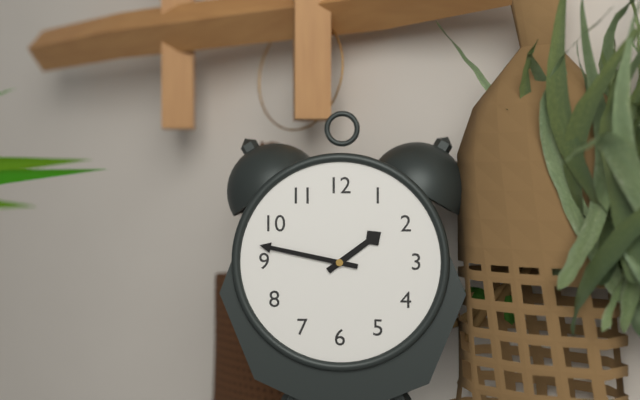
1:47
